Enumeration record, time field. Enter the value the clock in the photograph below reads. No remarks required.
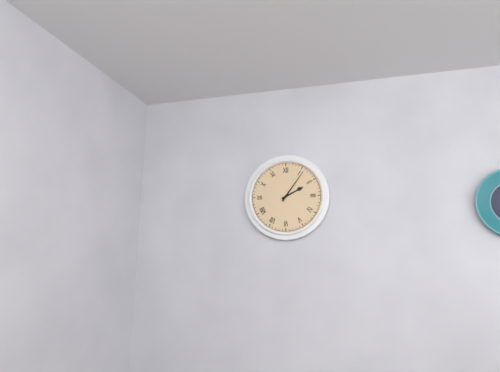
2:06
